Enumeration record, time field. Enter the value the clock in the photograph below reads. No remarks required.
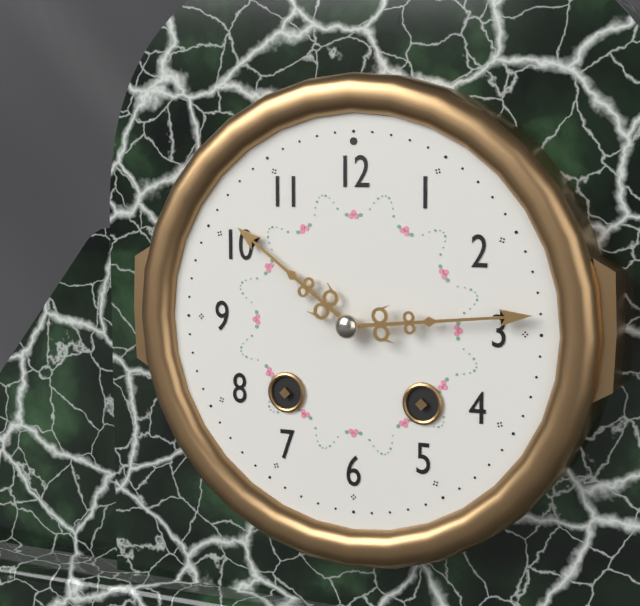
10:14
